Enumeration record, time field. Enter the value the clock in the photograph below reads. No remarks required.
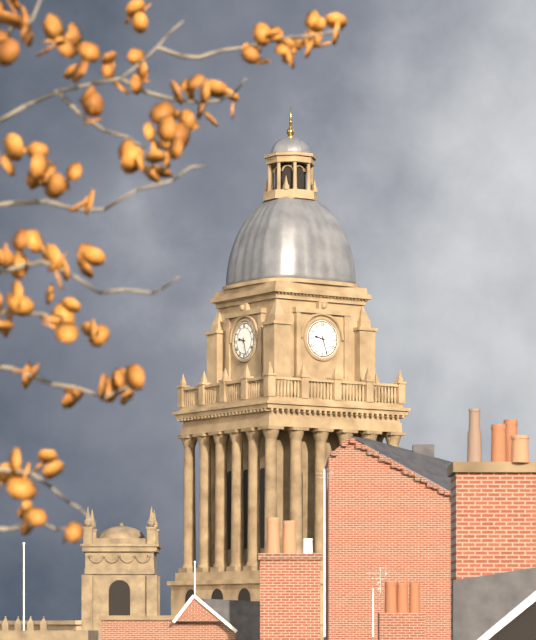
9:27
